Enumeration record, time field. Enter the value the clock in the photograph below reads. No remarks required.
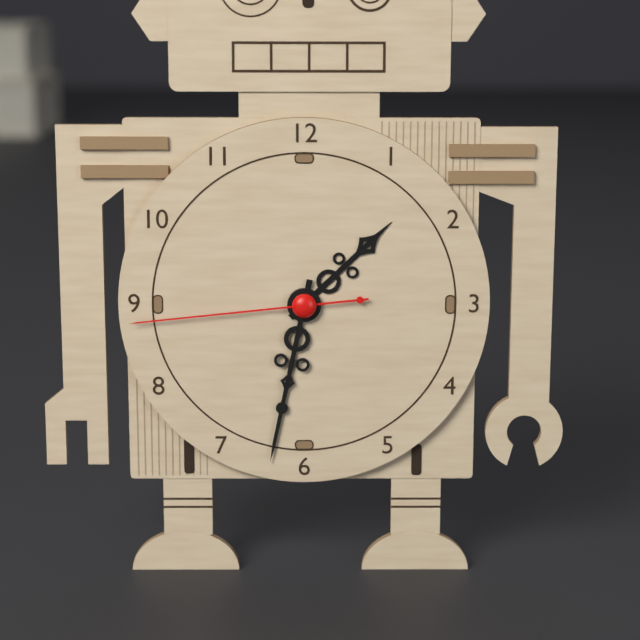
1:32:44
